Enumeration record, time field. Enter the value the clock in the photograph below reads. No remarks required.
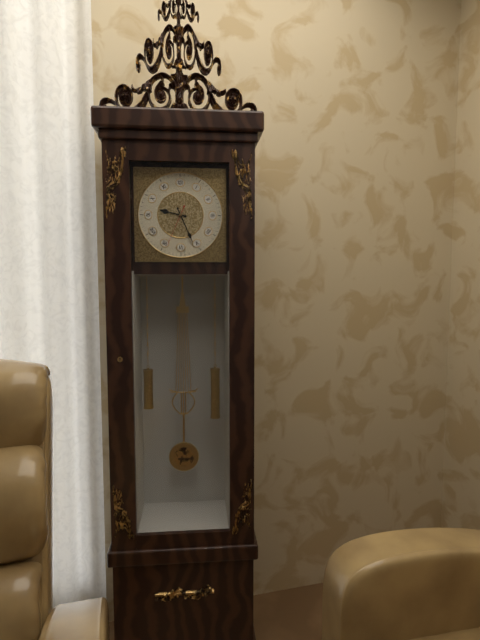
9:26
